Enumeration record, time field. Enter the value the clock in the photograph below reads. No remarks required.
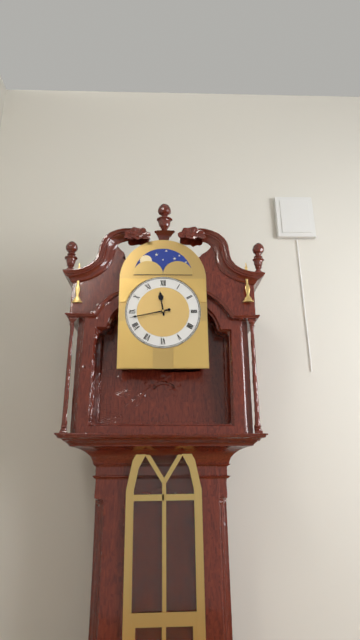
11:43
